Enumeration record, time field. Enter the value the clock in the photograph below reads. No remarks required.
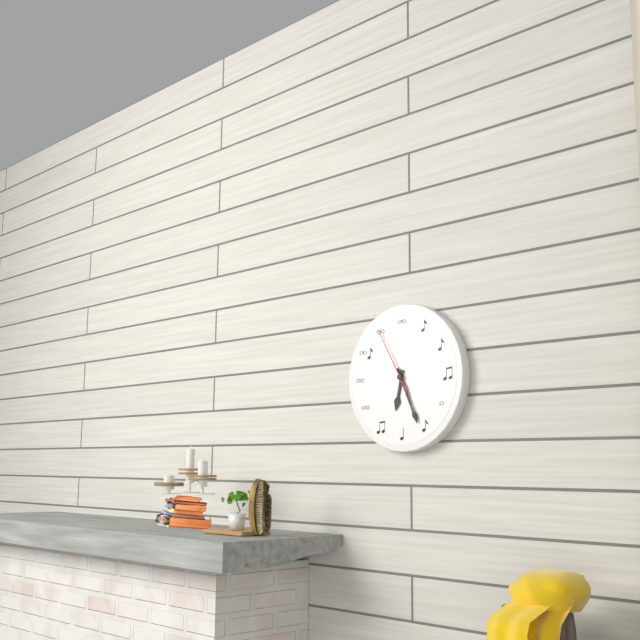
6:26:55
